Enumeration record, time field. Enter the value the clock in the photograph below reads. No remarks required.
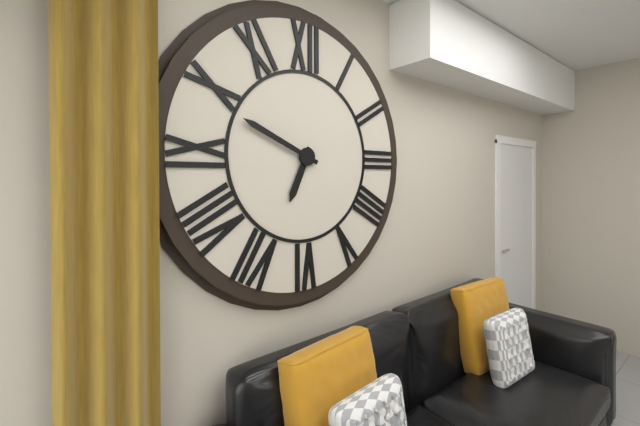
6:49
